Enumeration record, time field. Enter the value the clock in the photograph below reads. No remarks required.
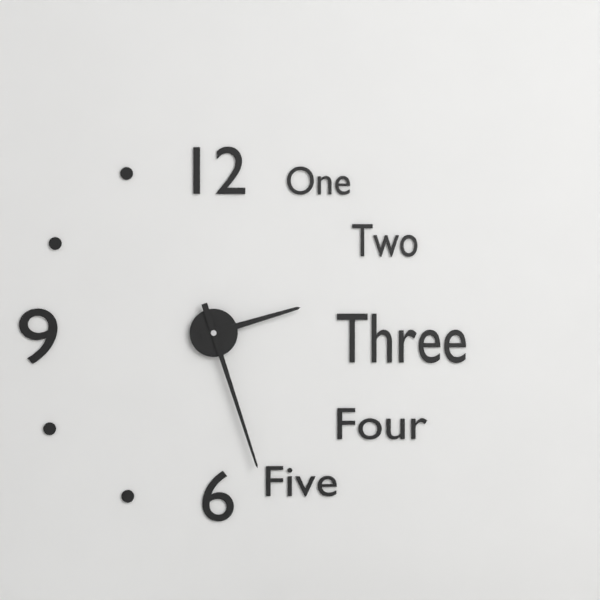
2:27
